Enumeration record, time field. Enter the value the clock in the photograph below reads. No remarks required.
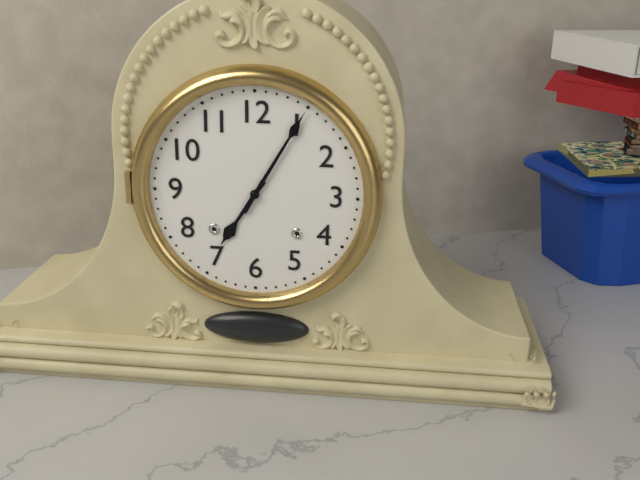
7:05
